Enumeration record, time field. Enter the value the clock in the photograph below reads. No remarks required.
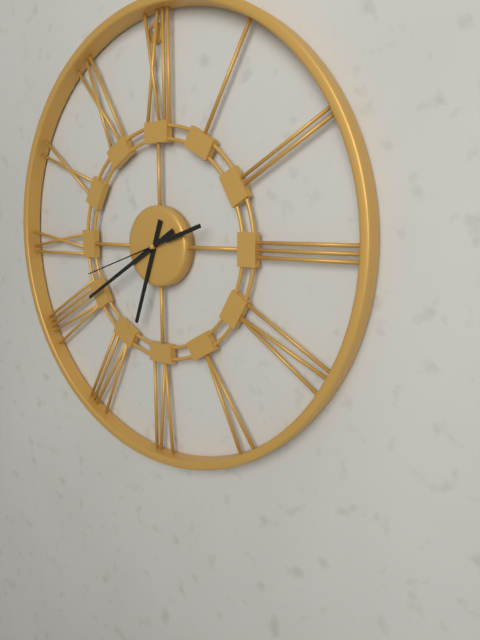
6:40:42
